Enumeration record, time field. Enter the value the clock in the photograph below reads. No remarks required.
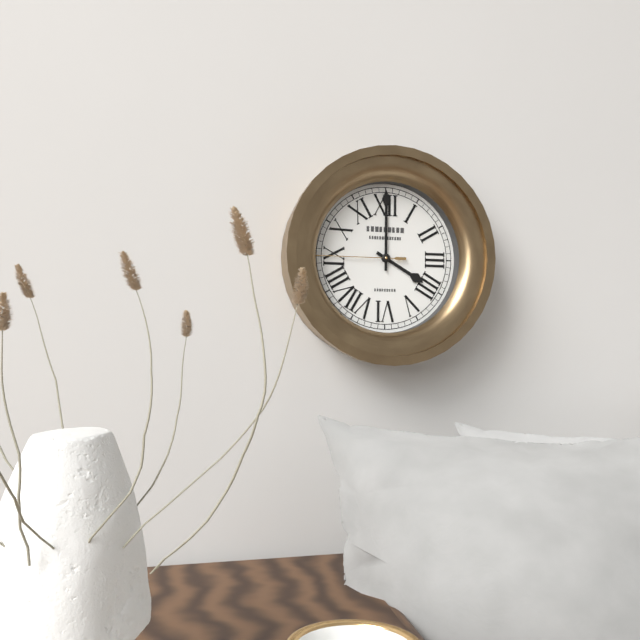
4:00:45
